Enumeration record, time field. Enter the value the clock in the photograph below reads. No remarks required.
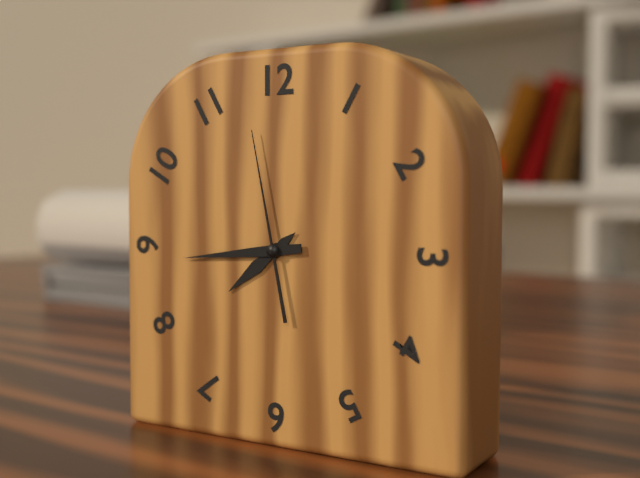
7:44:58
